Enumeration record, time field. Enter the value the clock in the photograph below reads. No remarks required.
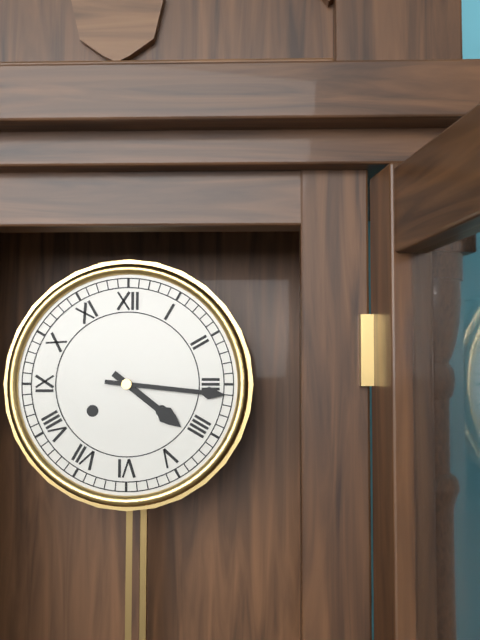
4:16
